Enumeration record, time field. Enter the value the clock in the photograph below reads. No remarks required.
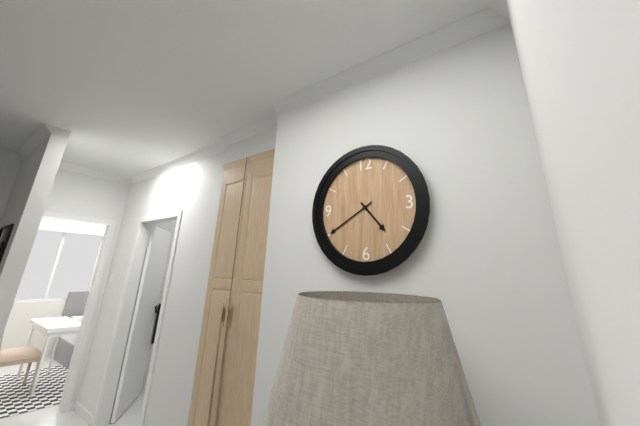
4:40
